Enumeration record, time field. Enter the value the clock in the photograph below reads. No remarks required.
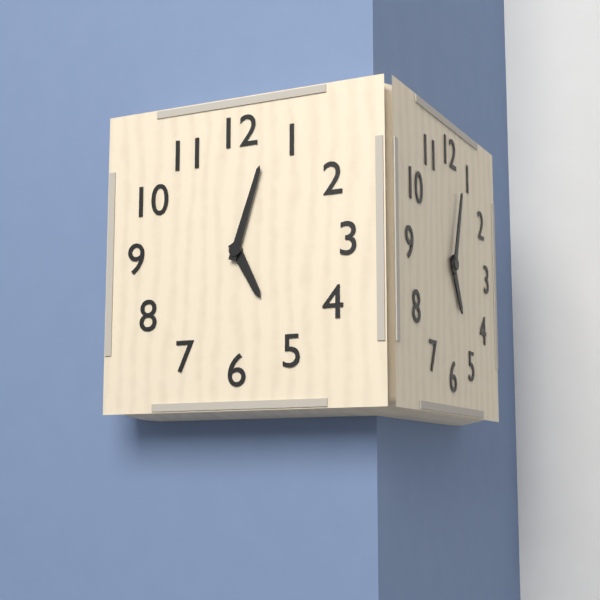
5:03
